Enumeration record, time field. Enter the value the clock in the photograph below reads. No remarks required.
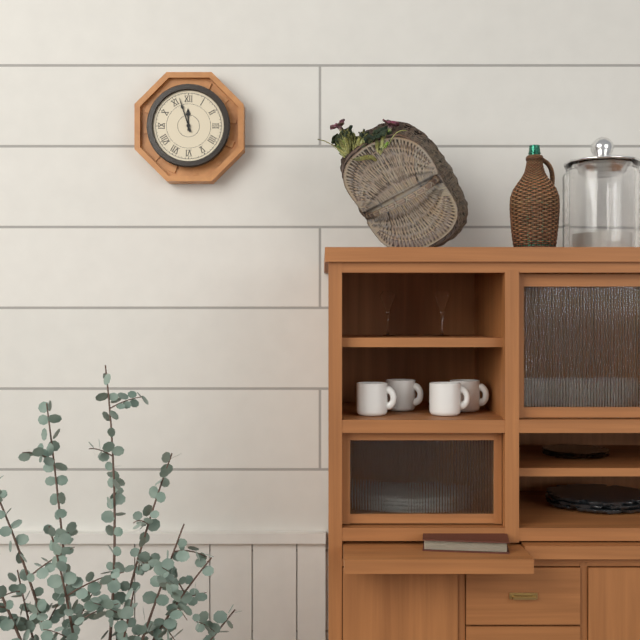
11:57
